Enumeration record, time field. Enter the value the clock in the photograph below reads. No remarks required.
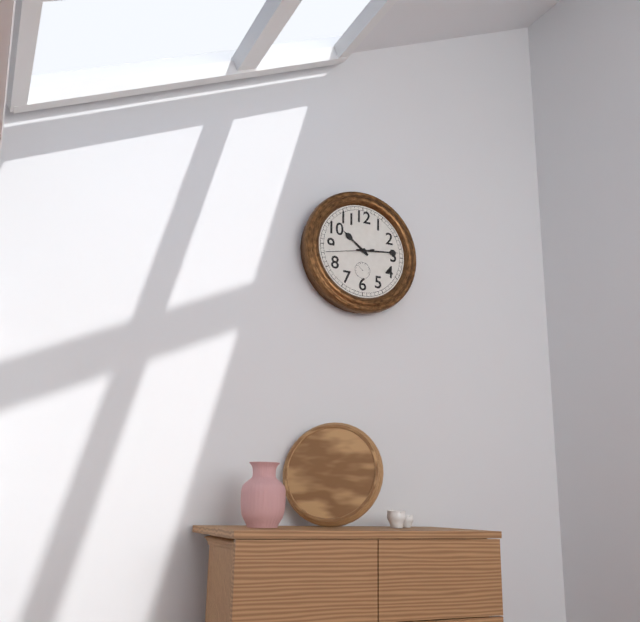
10:14
